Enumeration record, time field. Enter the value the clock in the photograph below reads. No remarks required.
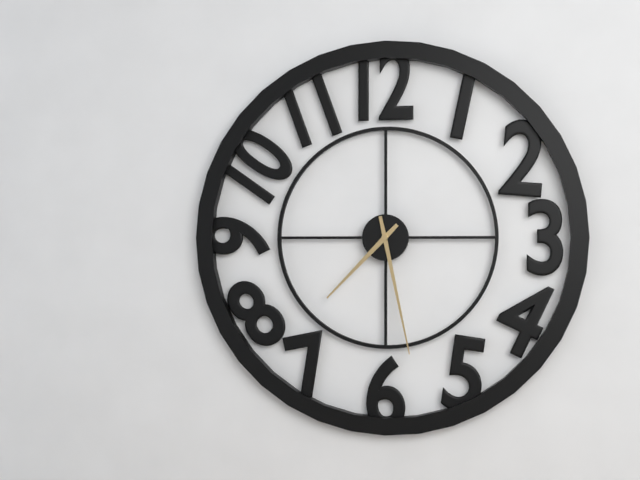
7:28
